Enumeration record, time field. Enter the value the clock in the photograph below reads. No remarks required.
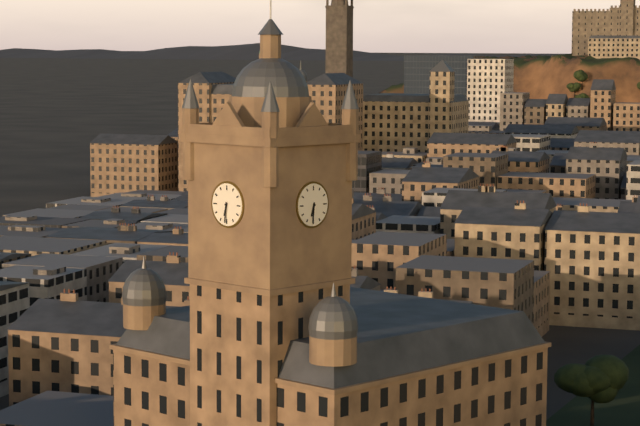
6:31
